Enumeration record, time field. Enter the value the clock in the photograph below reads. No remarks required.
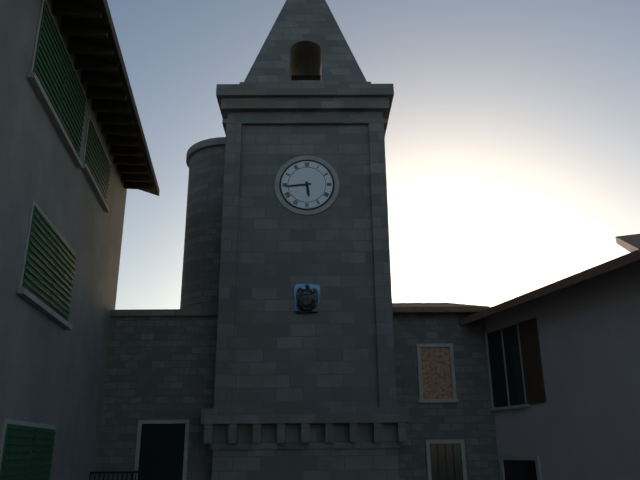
5:44
